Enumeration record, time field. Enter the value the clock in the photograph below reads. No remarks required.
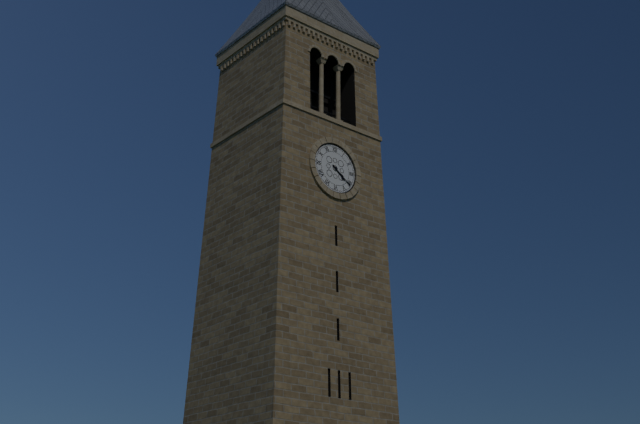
4:21
